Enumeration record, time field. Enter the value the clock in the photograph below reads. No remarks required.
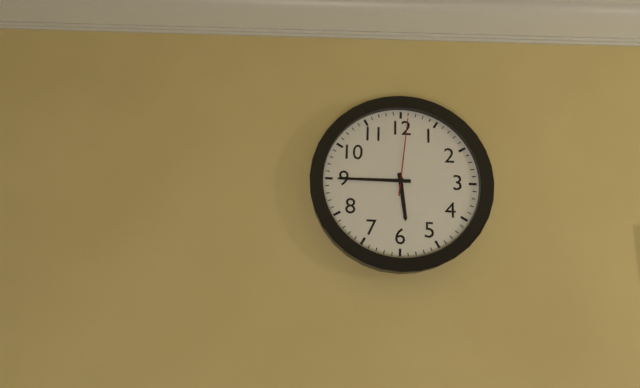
5:45:01
